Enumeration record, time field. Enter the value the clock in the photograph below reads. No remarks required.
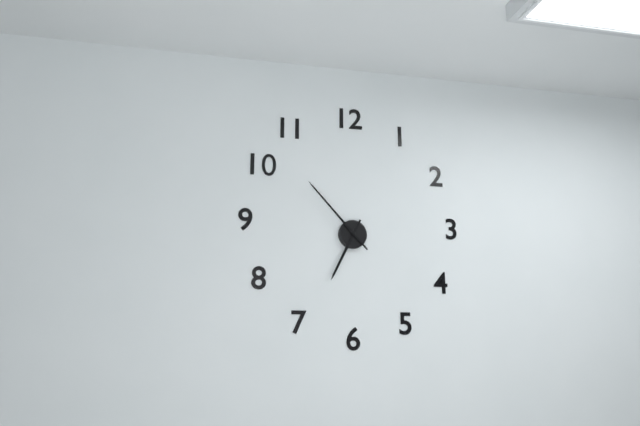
6:53
